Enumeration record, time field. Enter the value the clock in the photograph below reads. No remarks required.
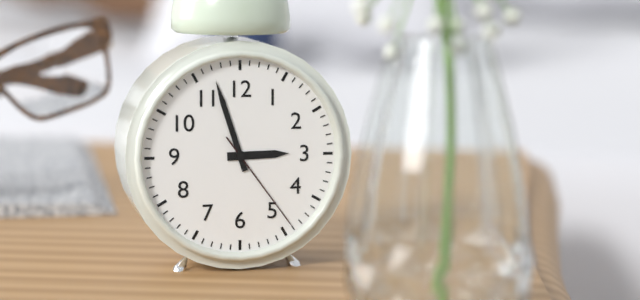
2:57:24
